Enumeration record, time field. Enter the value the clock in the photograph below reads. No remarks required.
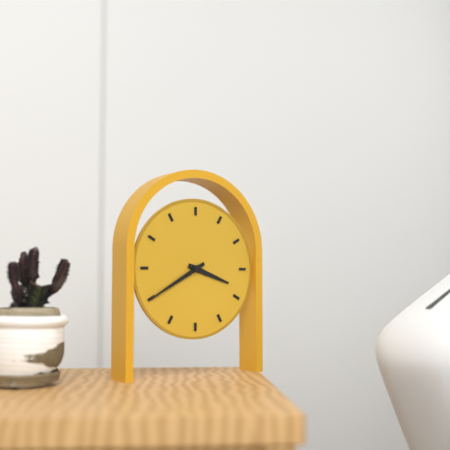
3:40
